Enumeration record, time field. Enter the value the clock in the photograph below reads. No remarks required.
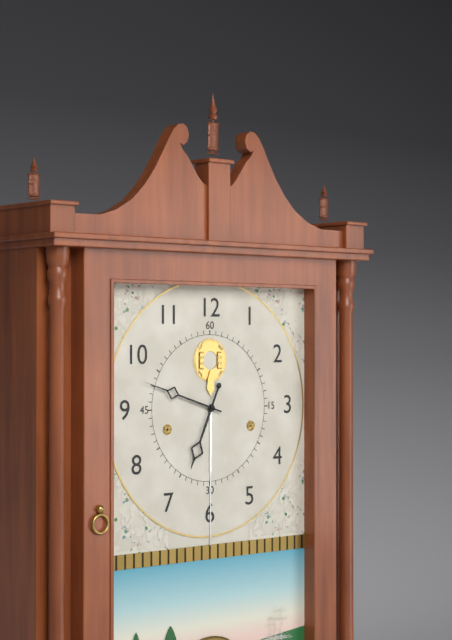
6:48
